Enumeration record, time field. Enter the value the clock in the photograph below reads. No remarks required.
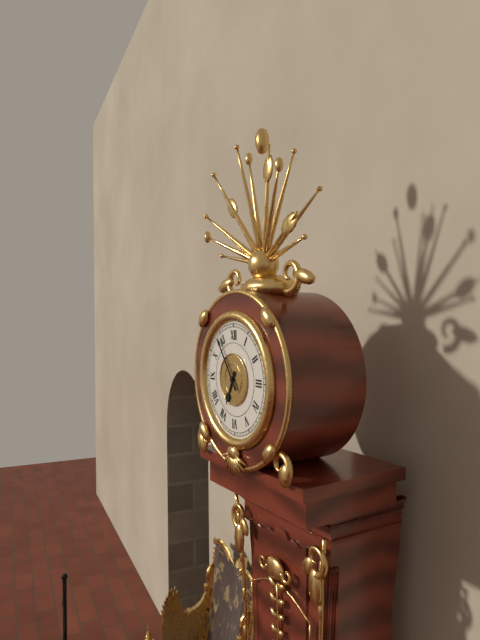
6:54
